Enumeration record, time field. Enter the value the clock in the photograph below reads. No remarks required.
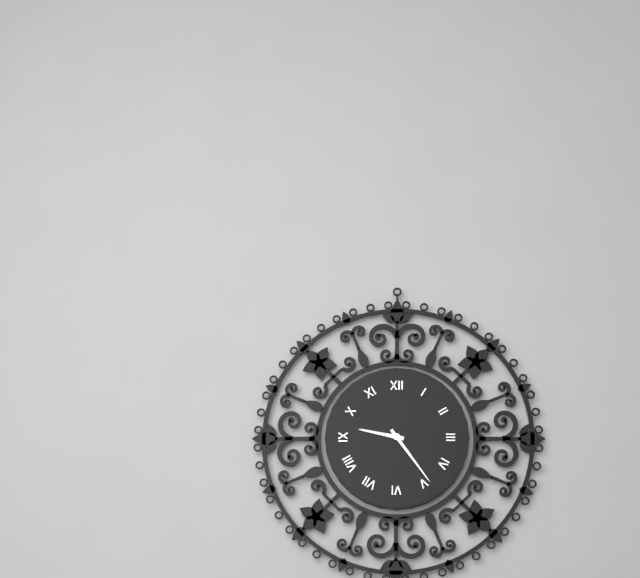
9:24
